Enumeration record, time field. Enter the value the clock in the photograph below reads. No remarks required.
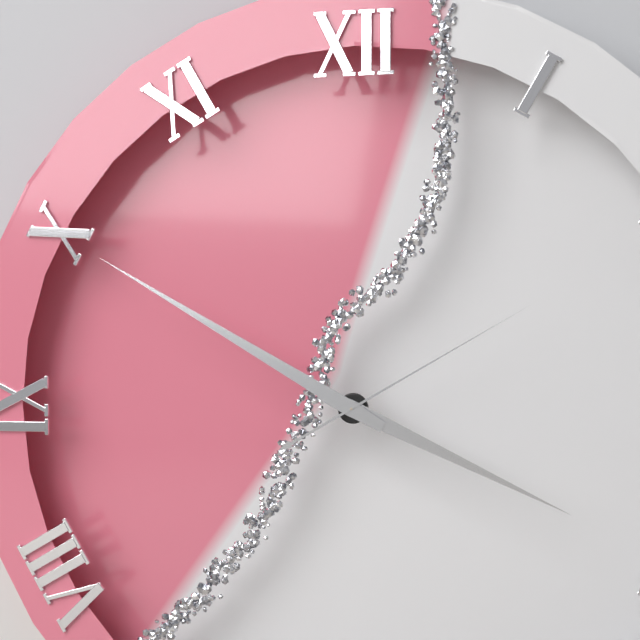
3:50:10
